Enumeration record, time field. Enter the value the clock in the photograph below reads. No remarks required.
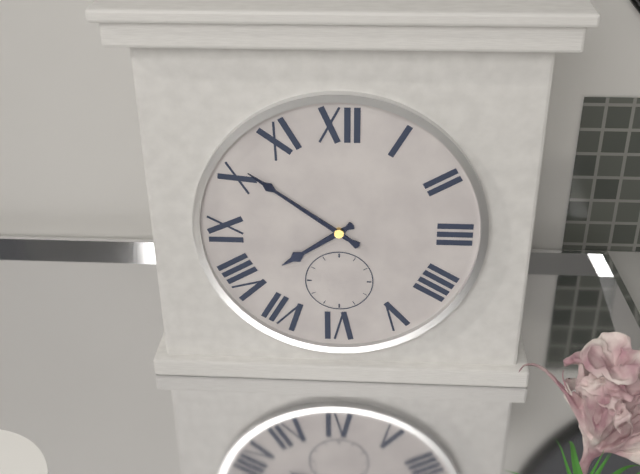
7:51
